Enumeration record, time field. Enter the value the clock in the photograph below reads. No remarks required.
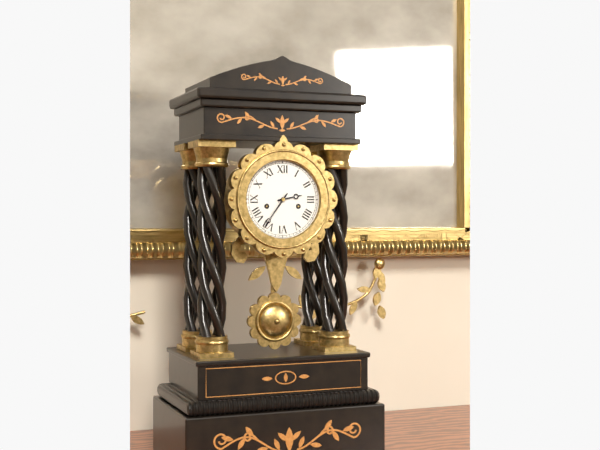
2:36
